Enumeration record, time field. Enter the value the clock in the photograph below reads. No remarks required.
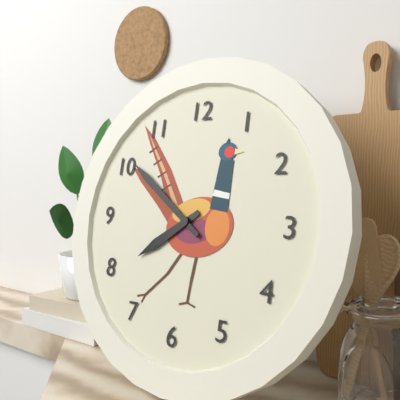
7:51
